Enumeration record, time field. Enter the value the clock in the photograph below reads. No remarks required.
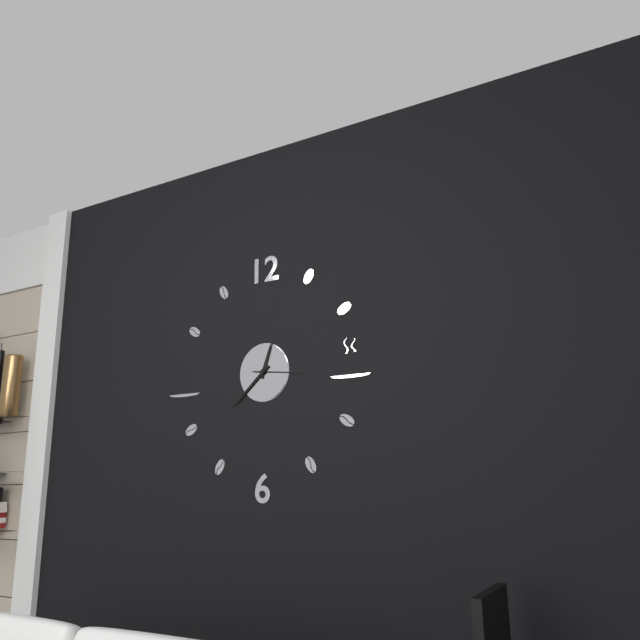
12:38:16
